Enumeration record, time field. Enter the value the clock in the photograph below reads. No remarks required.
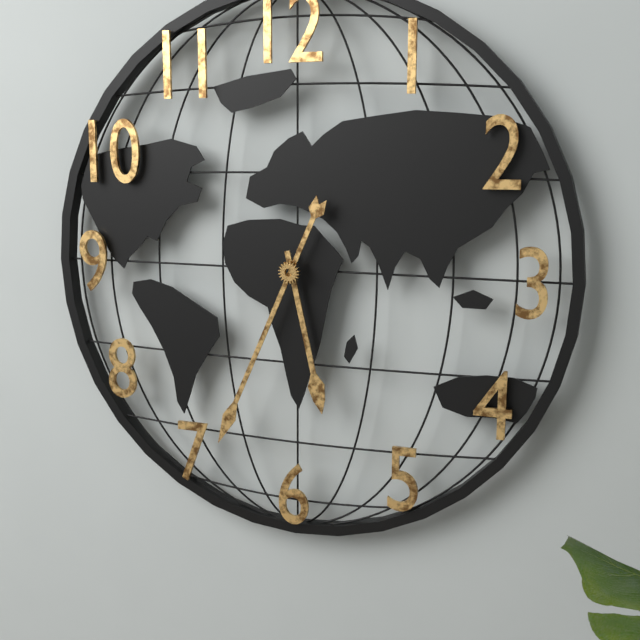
5:34
